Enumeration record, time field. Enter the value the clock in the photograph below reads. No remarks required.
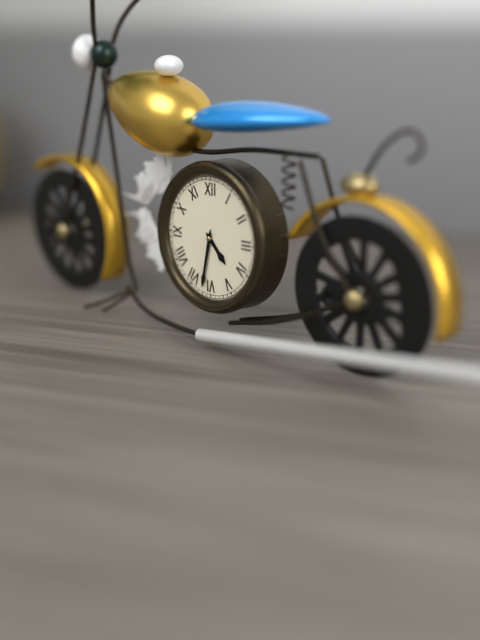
4:32
